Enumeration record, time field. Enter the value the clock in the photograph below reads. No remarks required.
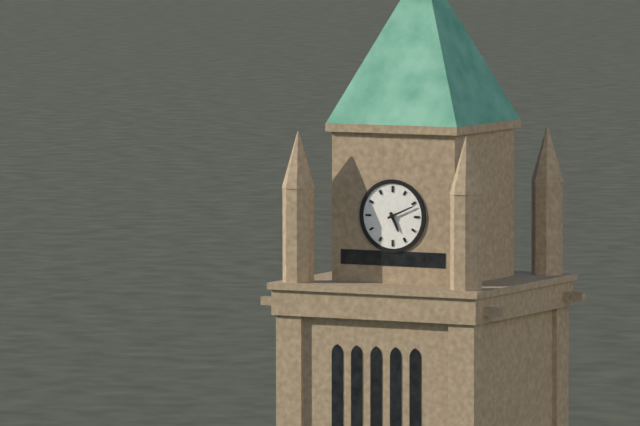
5:11
